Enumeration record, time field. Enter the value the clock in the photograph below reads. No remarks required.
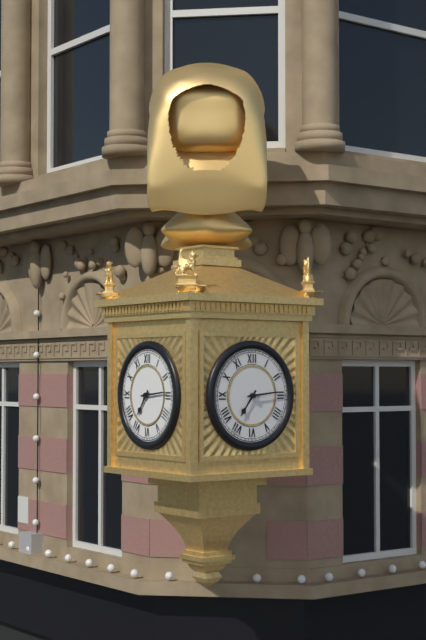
7:14
